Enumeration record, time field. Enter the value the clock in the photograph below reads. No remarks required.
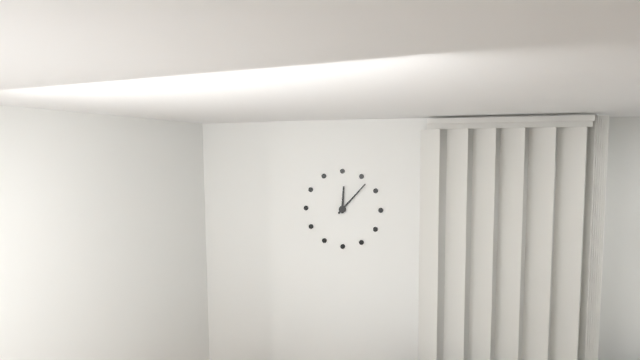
12:07
